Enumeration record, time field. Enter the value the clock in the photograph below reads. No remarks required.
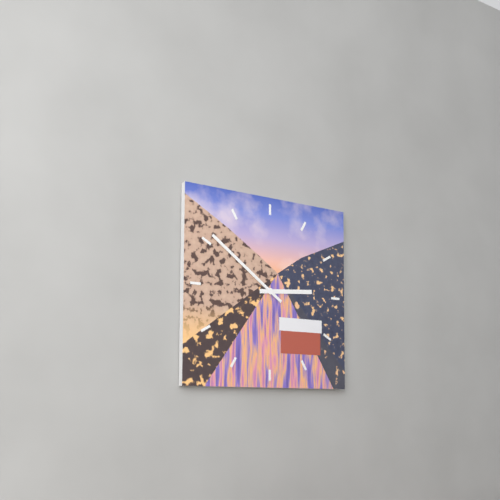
2:51
